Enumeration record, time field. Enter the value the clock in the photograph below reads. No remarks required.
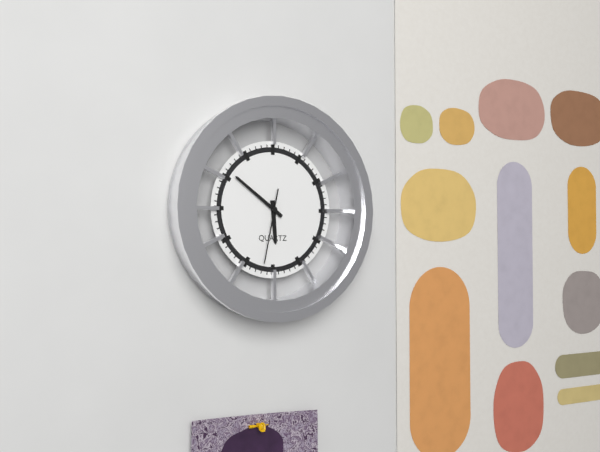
5:51:32
